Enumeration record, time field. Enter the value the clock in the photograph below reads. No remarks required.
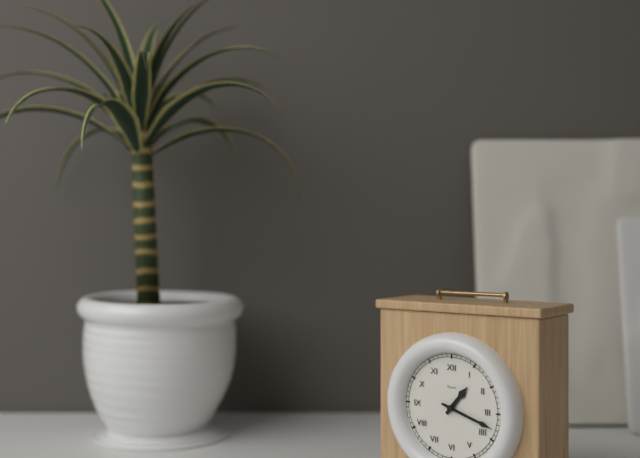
1:18
